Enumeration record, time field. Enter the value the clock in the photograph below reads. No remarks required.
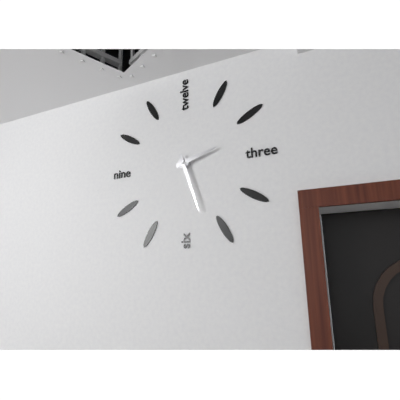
2:27
